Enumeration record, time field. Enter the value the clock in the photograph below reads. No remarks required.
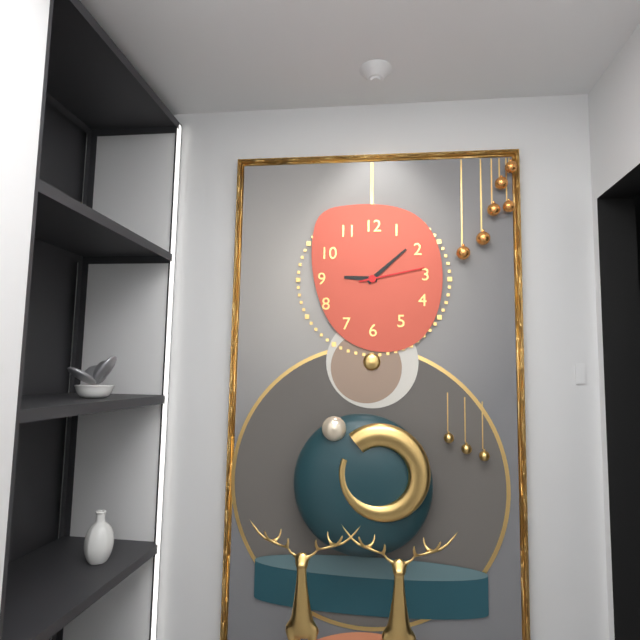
9:08:13
